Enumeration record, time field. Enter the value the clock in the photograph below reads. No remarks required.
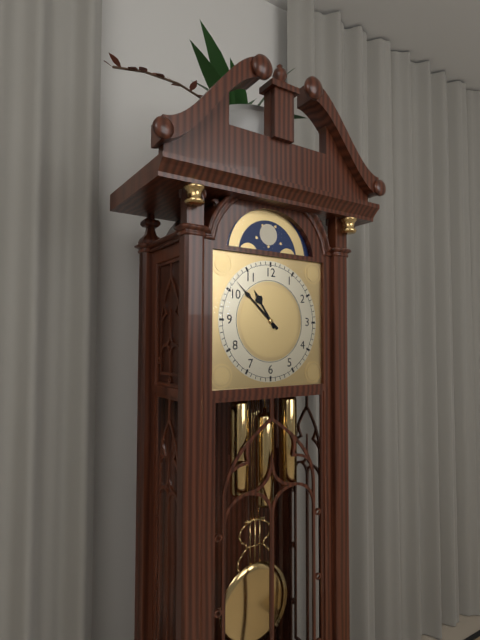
10:52
